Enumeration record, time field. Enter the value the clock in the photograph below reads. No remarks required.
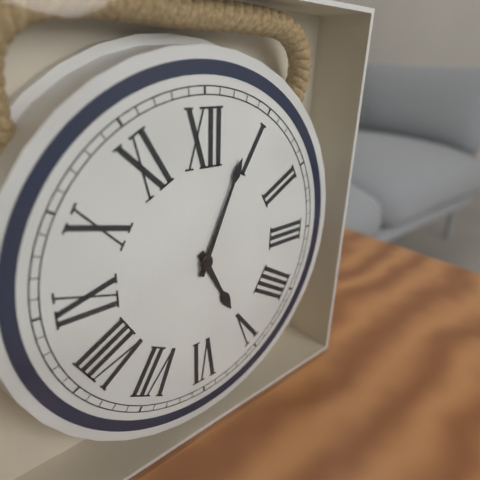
5:04
